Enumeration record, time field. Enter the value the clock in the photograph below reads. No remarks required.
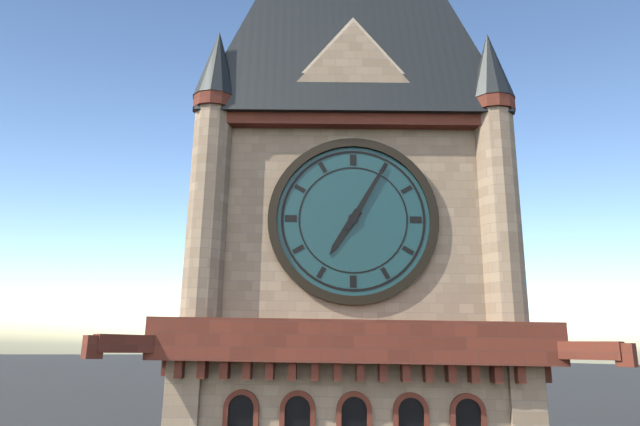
7:05
